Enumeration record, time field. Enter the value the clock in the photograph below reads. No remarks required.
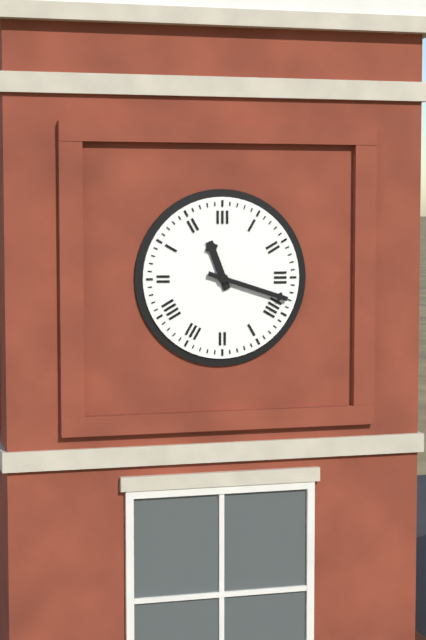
11:18
